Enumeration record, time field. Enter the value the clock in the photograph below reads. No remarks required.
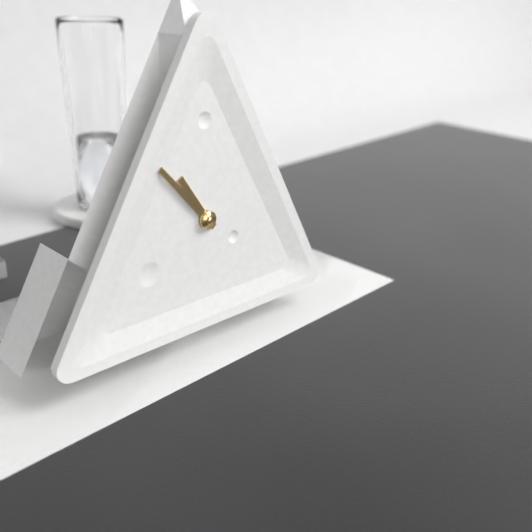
10:53
